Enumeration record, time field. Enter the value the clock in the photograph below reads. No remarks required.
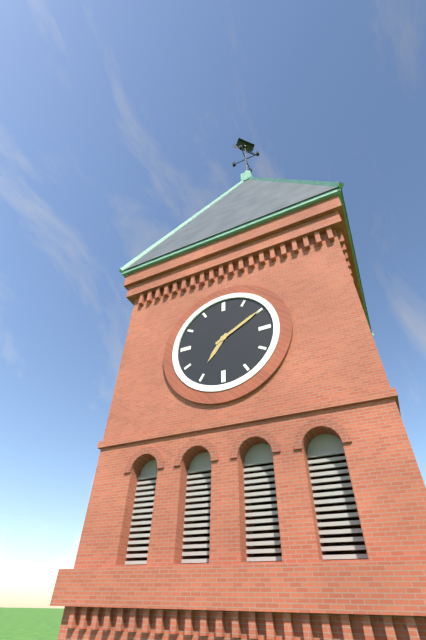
7:10
